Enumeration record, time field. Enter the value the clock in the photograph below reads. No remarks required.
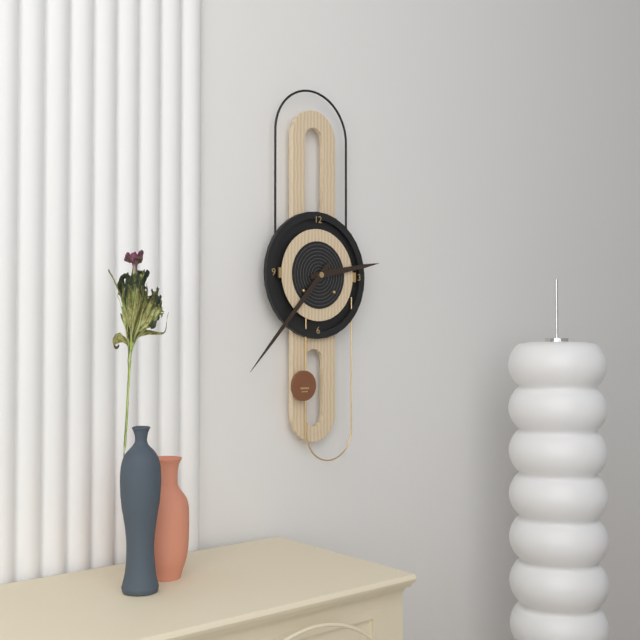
2:37
